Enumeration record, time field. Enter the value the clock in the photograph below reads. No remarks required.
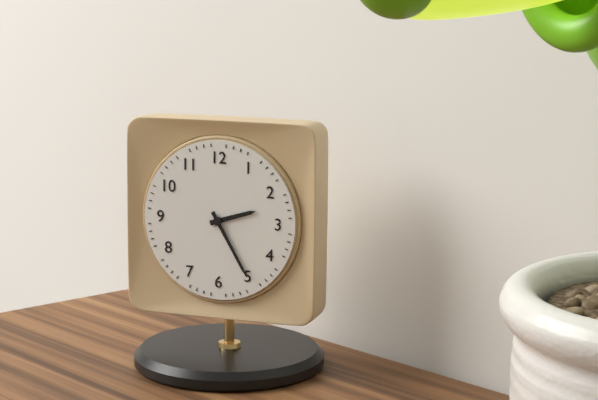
2:25
